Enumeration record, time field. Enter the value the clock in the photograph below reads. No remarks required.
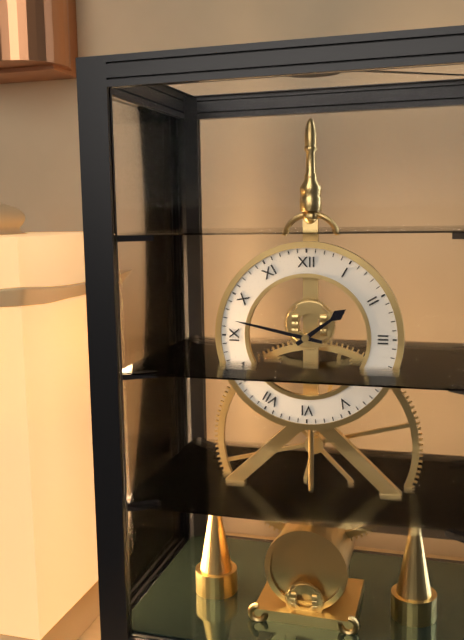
1:47
